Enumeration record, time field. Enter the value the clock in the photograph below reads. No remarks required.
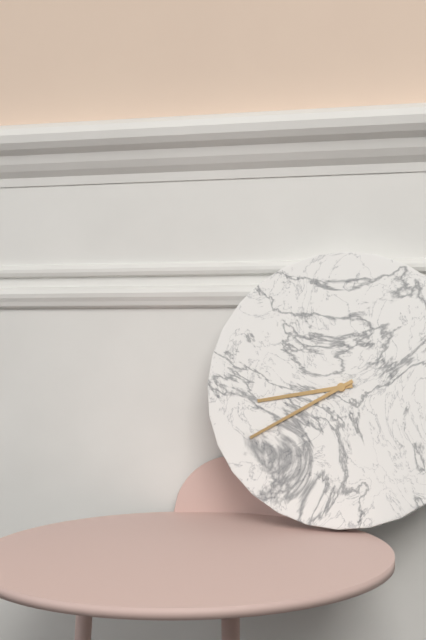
8:40
